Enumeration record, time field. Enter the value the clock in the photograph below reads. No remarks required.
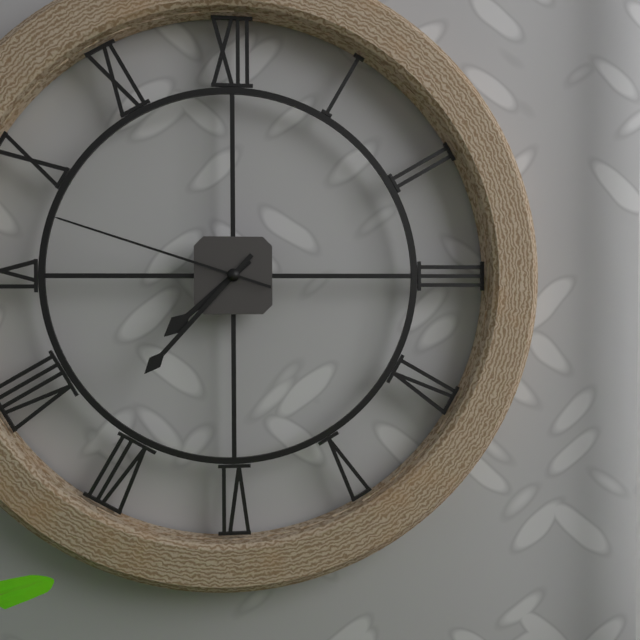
7:37:48
